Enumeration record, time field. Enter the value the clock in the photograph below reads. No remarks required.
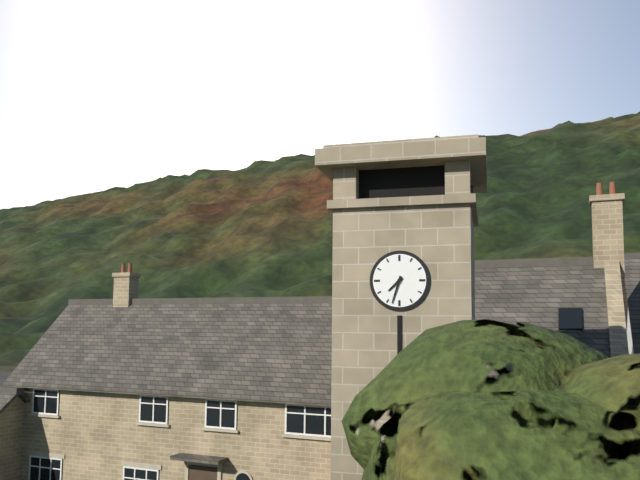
7:33
